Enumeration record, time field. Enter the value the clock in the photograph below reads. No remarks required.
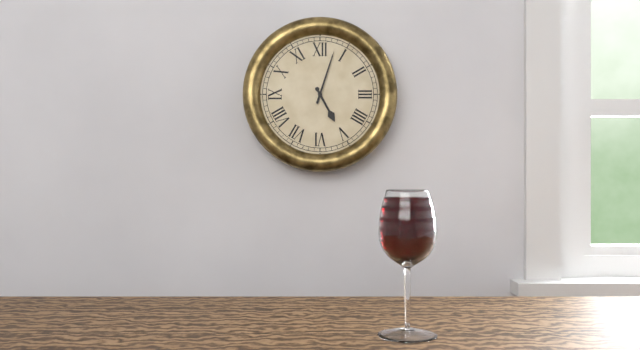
5:03
